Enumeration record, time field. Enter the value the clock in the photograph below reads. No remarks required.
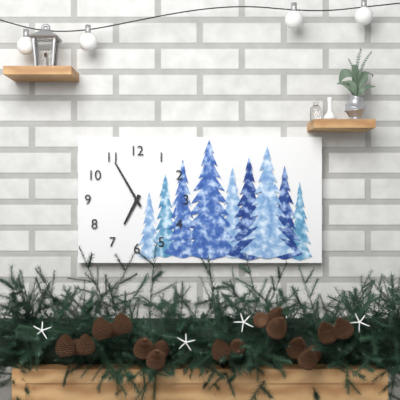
6:55
